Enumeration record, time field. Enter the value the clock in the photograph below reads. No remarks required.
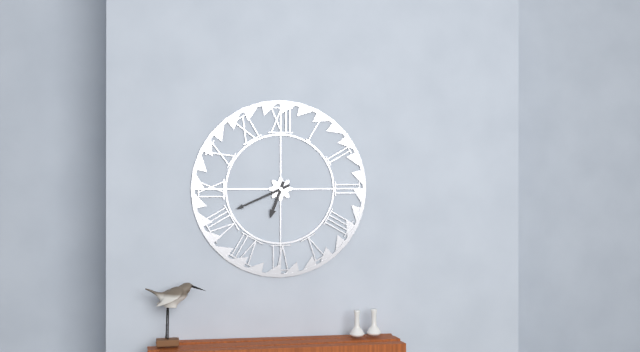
6:41
